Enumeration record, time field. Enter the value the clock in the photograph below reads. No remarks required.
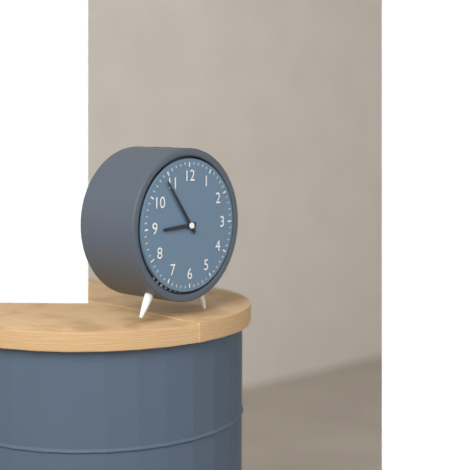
8:54
